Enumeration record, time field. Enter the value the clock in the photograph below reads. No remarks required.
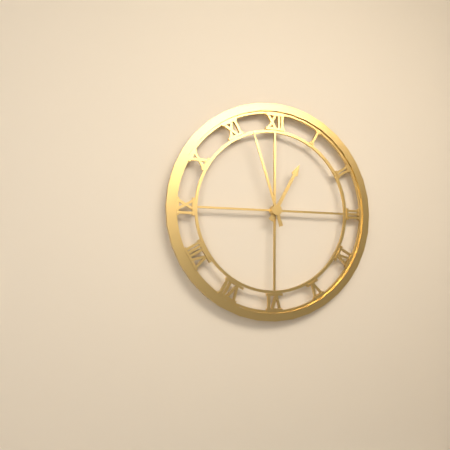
12:57
